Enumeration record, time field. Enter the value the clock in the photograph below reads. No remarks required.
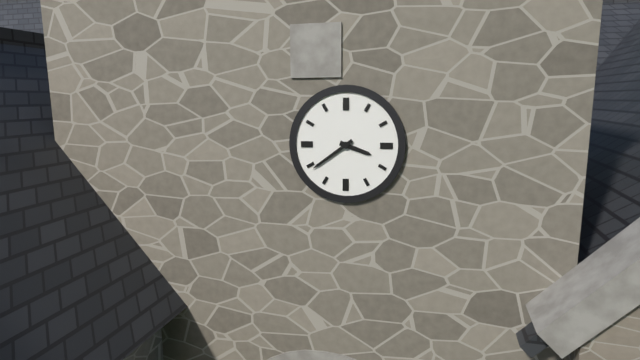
3:39
